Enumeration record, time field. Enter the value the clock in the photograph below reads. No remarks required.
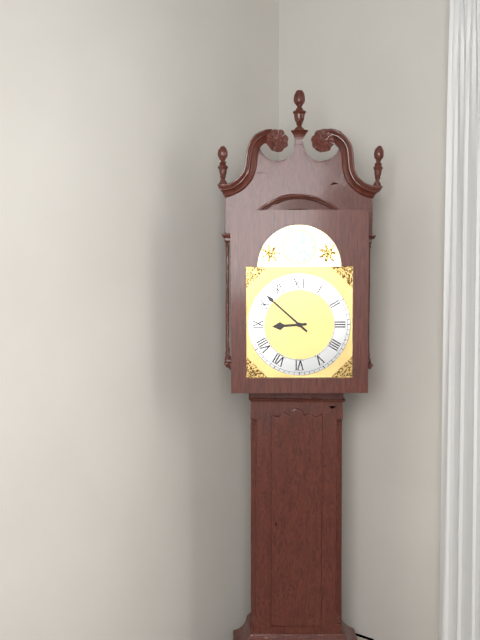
8:52
